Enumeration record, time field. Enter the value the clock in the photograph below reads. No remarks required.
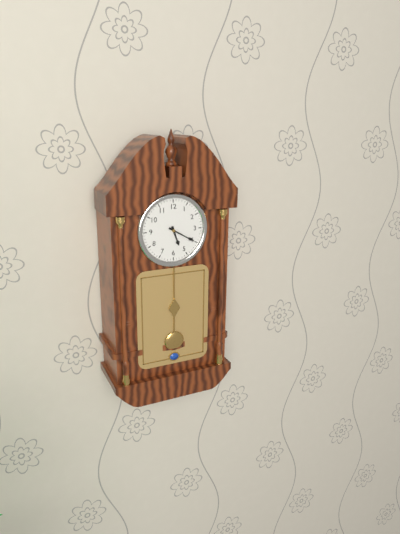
5:20
